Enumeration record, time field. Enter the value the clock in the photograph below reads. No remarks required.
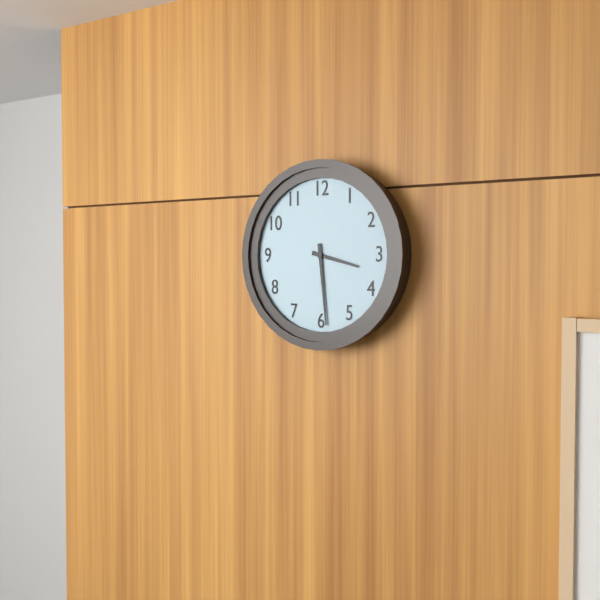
3:29
